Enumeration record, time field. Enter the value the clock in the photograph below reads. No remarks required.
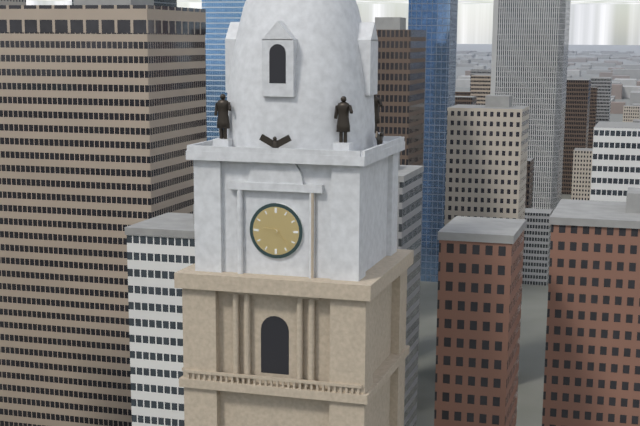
9:23
